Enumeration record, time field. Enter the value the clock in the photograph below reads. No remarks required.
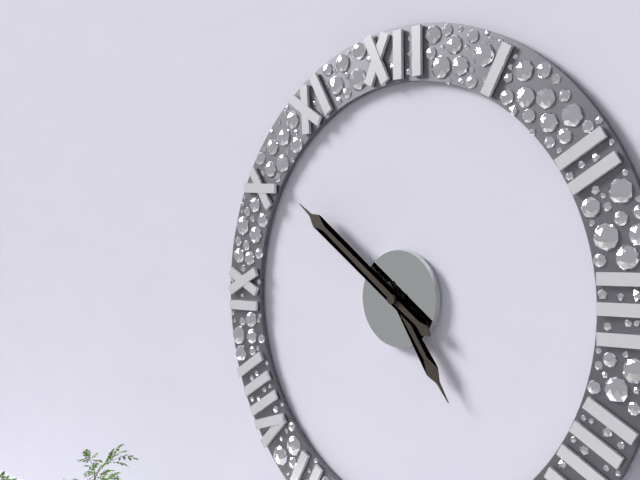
4:51
